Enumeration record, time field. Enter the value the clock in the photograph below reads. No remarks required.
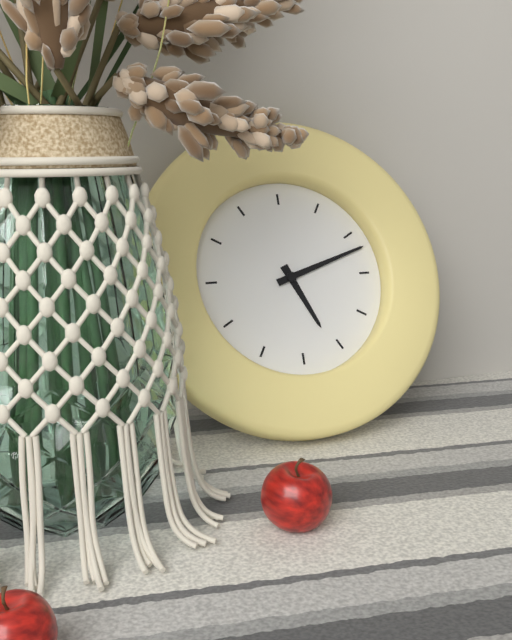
5:12
